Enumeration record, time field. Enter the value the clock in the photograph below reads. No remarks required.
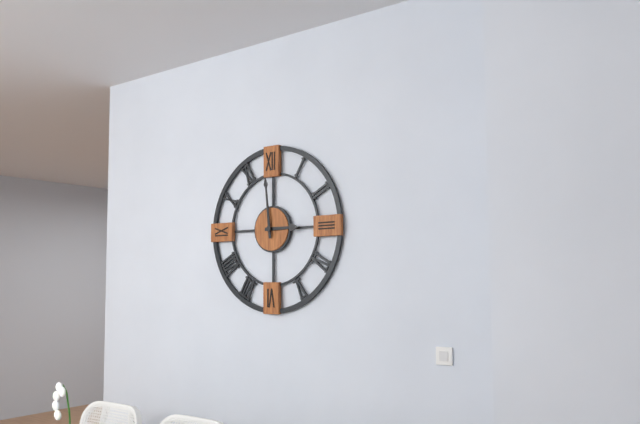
2:59
